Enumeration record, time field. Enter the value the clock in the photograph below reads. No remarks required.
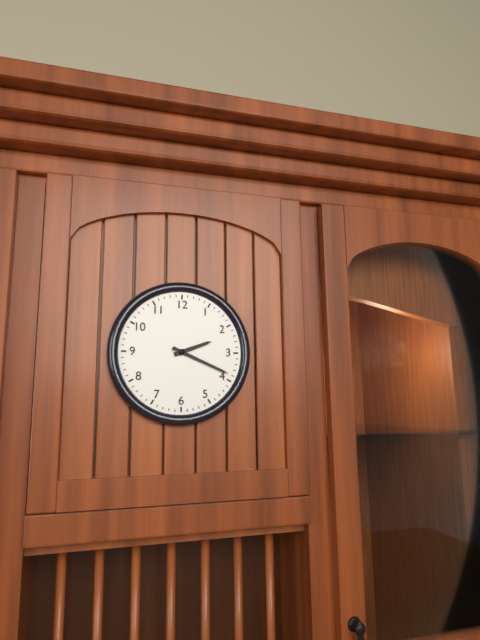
2:19
